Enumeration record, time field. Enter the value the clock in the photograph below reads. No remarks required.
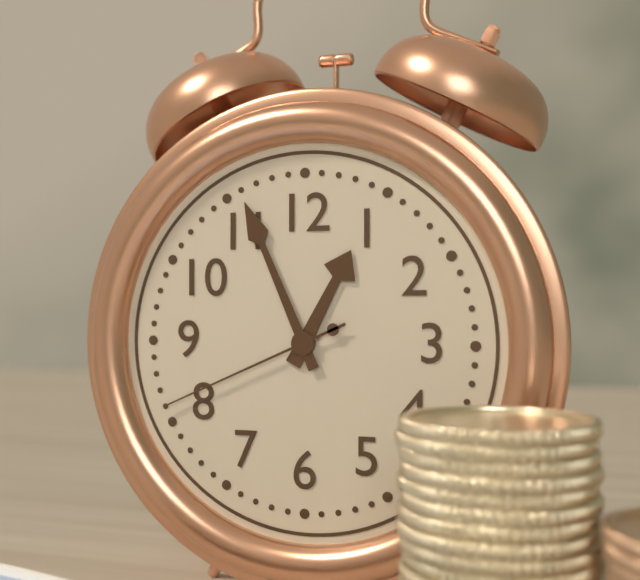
12:56:41
